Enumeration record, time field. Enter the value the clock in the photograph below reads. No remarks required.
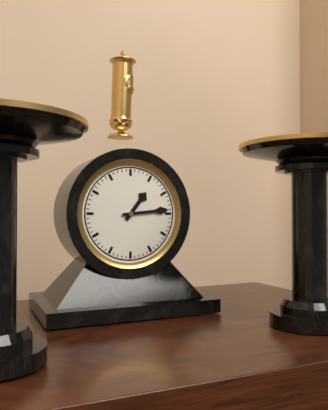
1:14
